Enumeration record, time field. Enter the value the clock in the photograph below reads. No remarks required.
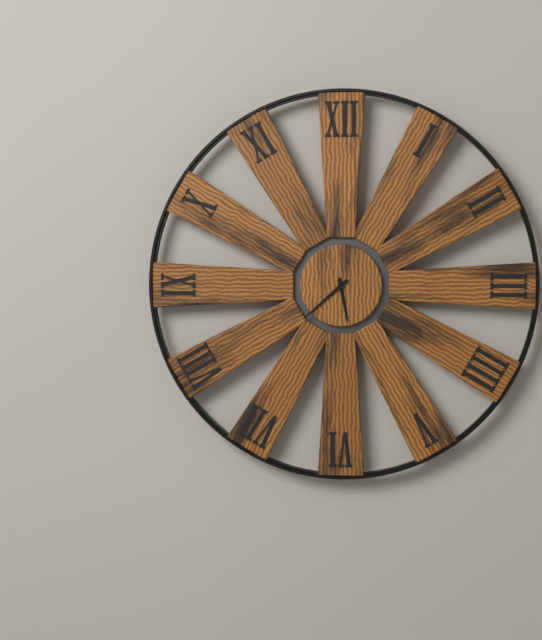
5:38
